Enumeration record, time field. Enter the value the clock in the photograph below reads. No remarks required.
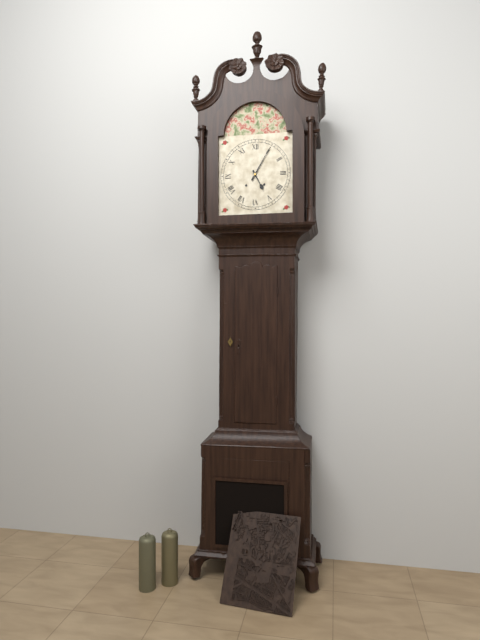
5:05
